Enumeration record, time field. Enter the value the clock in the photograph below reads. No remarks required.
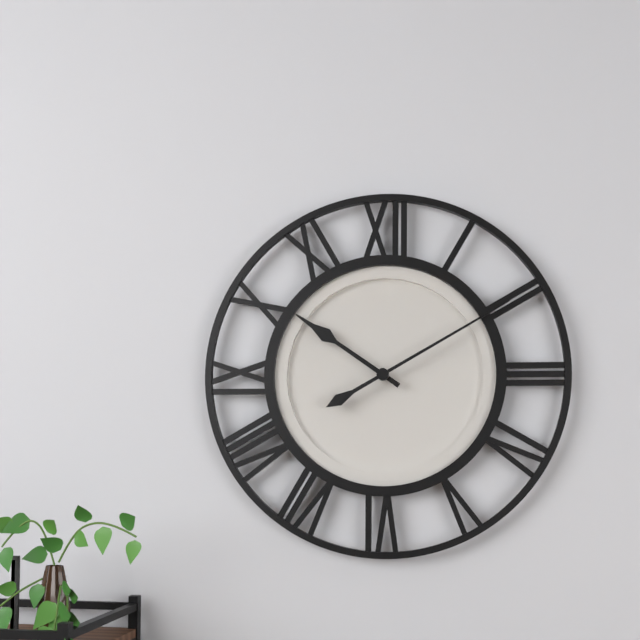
10:10
